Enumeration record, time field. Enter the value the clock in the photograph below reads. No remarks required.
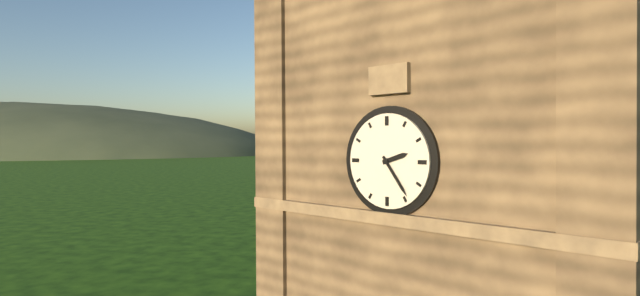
2:24
